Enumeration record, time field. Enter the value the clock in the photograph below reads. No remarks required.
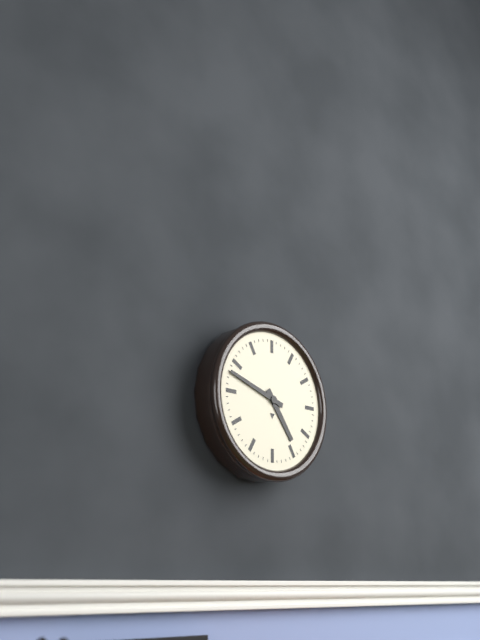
4:48
